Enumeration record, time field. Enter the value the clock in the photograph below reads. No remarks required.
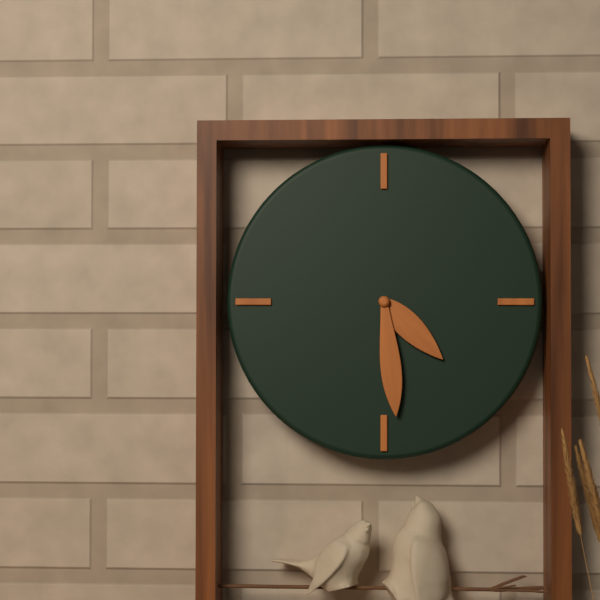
4:29
